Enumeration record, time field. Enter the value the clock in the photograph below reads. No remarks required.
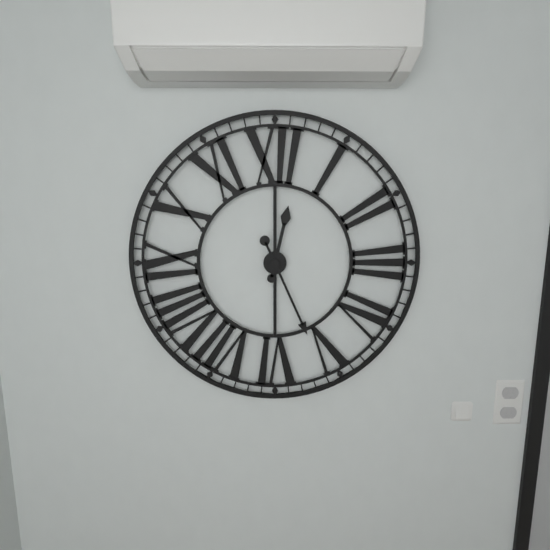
12:26
